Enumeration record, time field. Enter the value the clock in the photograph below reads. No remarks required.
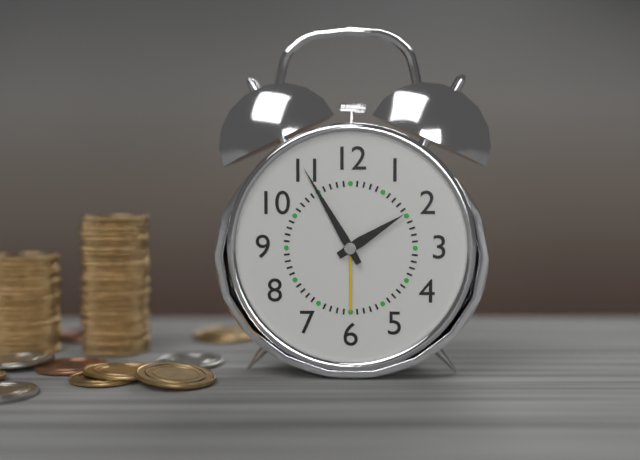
1:55
